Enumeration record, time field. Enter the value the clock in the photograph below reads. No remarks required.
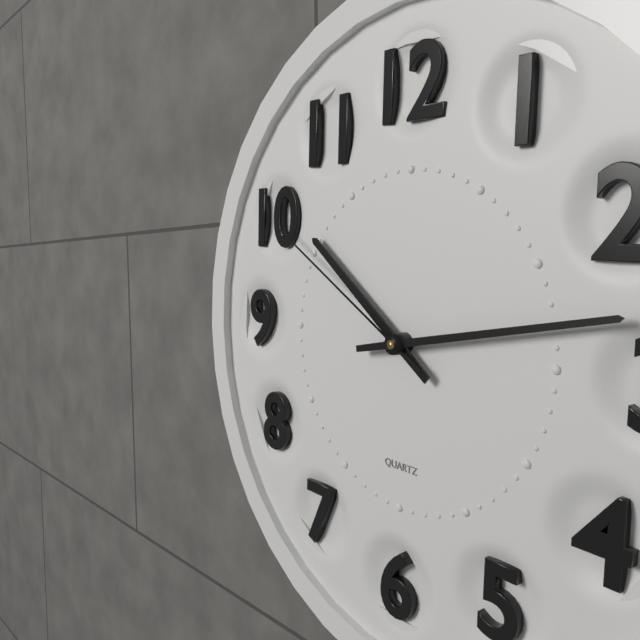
10:13:50
